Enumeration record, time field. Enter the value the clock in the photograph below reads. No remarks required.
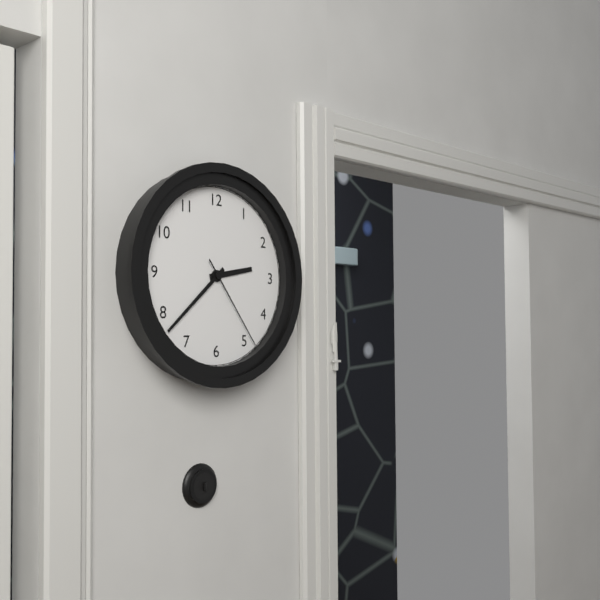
2:38:24
